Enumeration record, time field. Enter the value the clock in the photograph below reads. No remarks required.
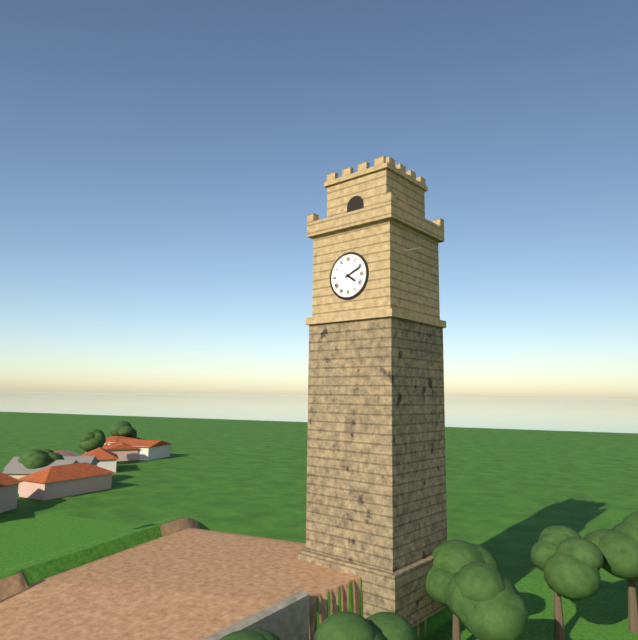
4:11
